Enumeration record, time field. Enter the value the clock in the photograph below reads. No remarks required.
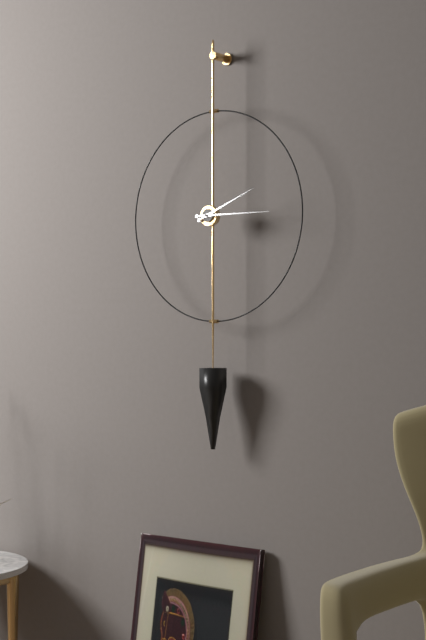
2:15
